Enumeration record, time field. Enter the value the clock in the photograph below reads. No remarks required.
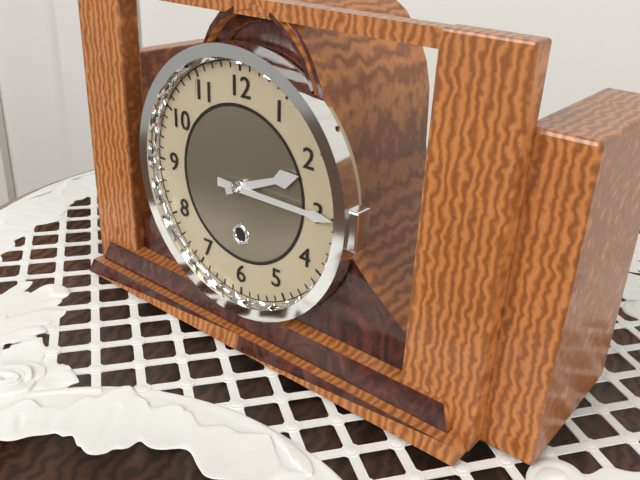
2:15
